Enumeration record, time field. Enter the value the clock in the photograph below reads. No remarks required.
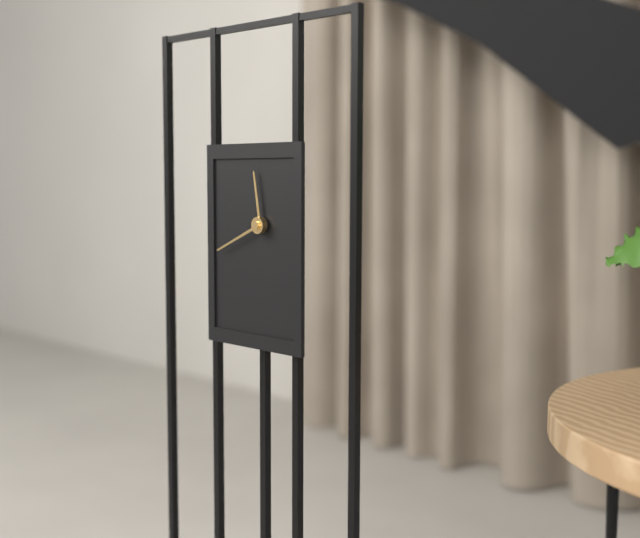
11:41
